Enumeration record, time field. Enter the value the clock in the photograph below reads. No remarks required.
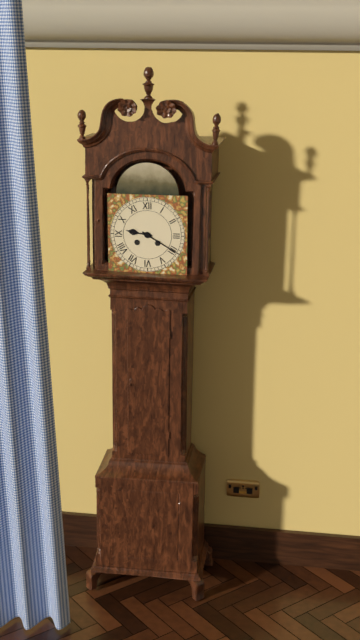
9:20
